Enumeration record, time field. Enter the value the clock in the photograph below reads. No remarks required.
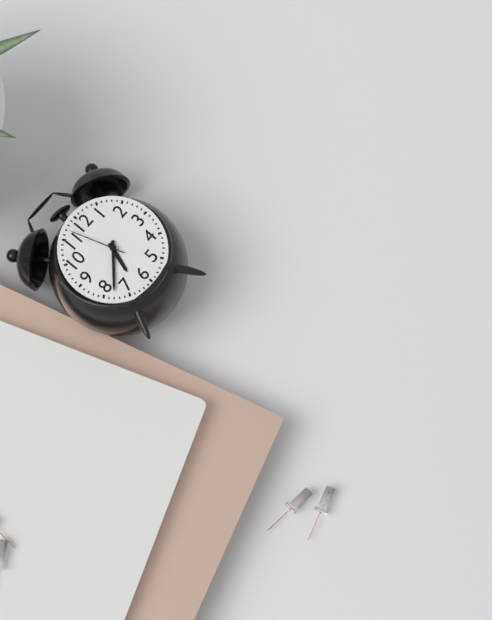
6:38:57
